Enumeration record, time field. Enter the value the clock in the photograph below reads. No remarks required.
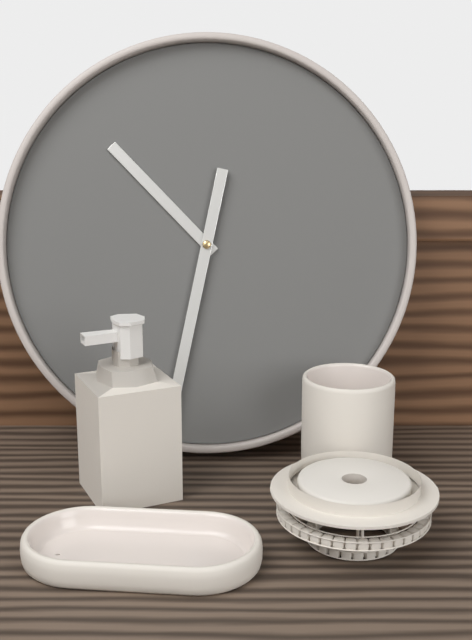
10:32
